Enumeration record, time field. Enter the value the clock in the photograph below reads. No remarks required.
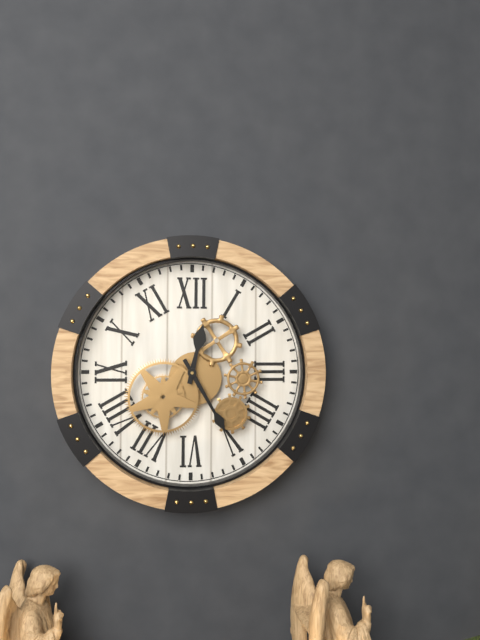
12:25
